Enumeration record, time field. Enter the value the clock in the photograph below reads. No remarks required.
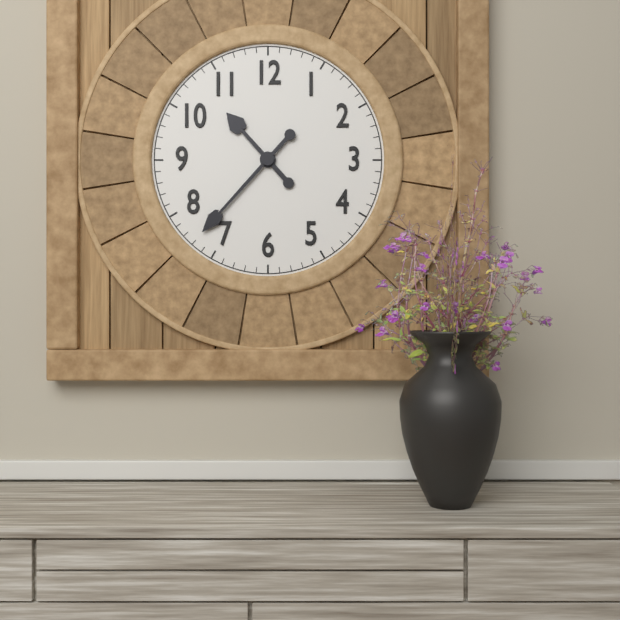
10:37
